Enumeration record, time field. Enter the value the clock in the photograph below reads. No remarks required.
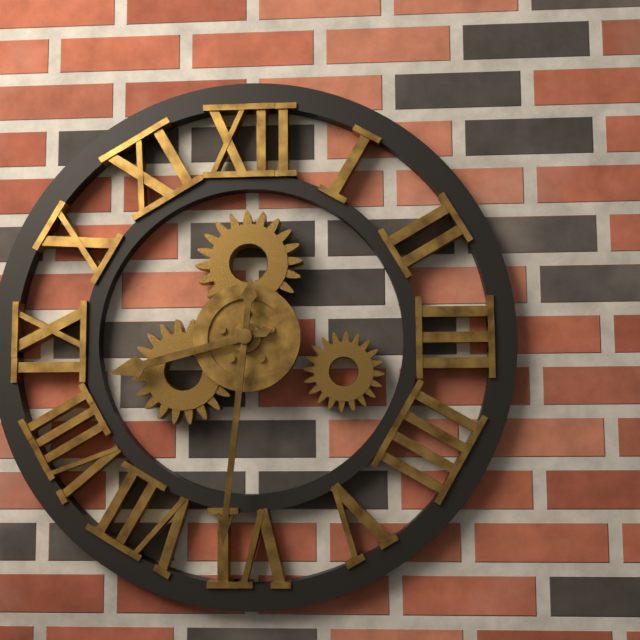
8:31
